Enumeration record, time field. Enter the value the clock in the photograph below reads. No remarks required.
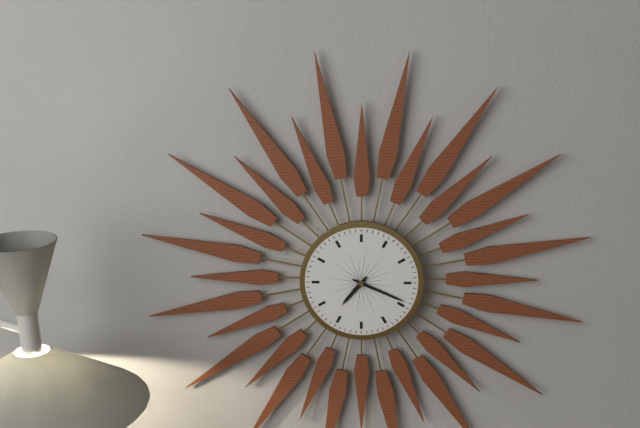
7:19
